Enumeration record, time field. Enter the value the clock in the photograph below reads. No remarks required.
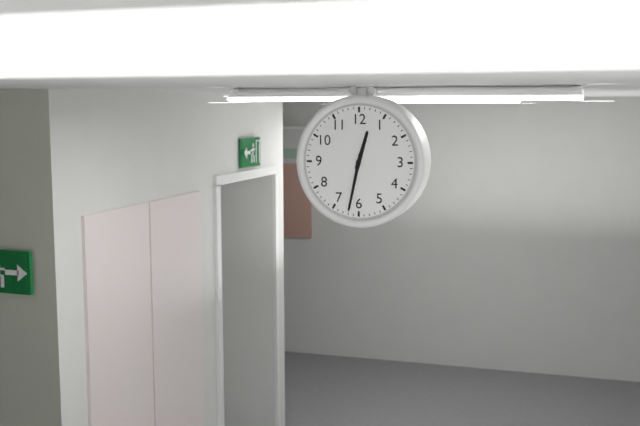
12:32
